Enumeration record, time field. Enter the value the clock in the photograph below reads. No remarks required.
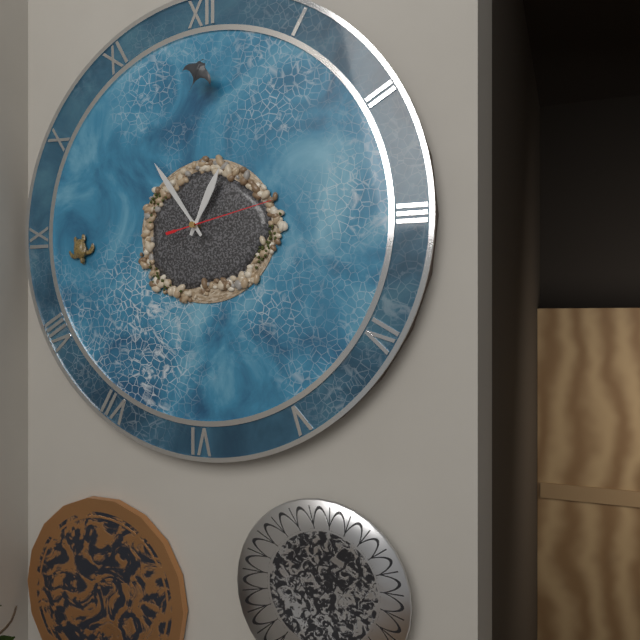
12:54:13
